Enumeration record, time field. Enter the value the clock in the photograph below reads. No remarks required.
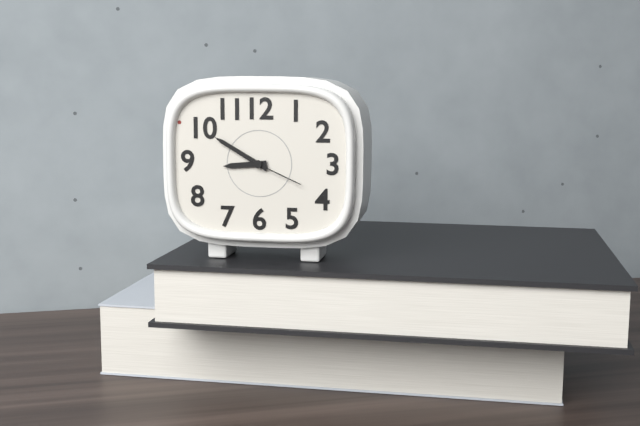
8:50:19
